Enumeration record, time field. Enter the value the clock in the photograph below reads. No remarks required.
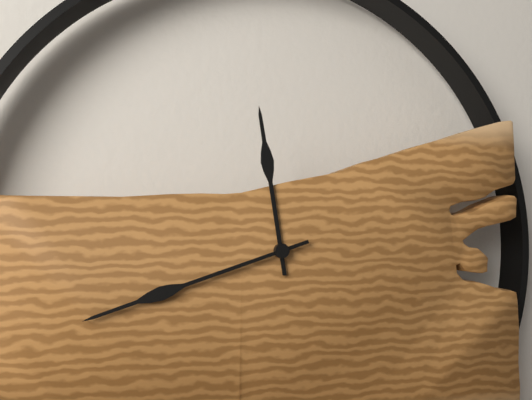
11:42
